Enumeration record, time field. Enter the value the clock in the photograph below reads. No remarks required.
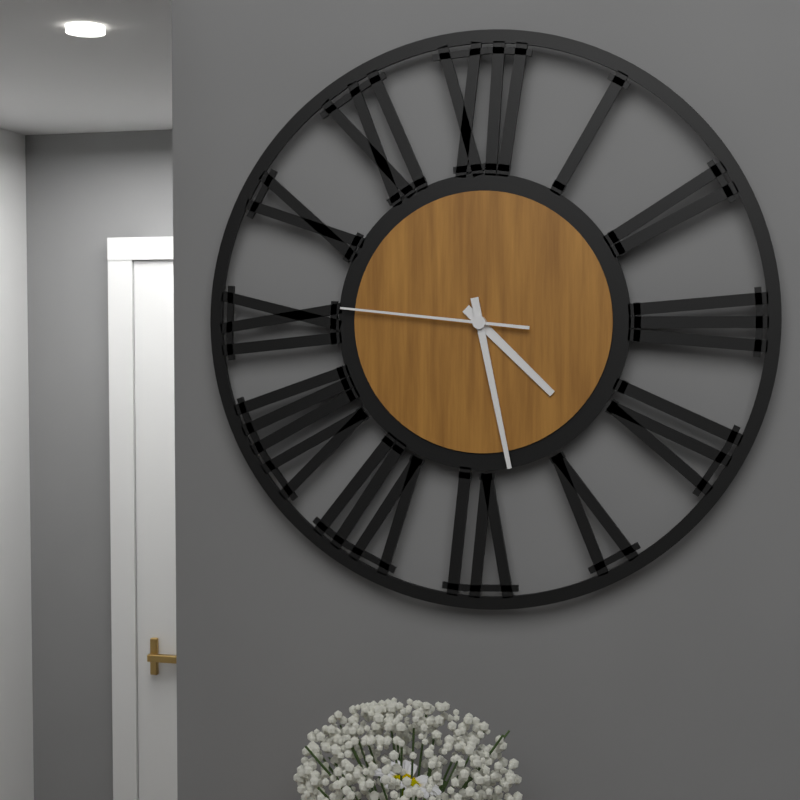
4:28:46
